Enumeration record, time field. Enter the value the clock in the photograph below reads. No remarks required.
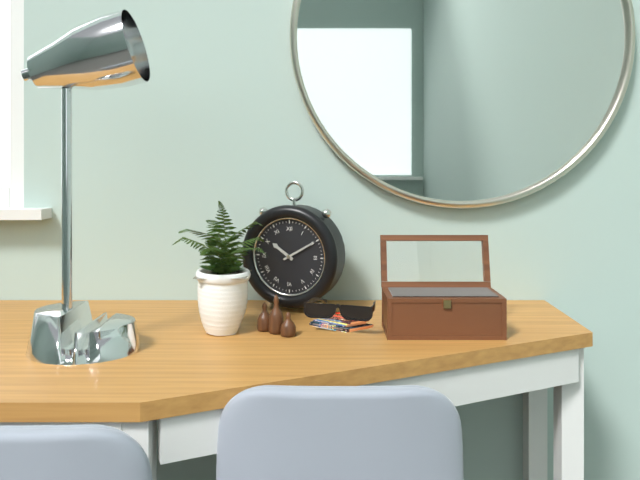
10:10
